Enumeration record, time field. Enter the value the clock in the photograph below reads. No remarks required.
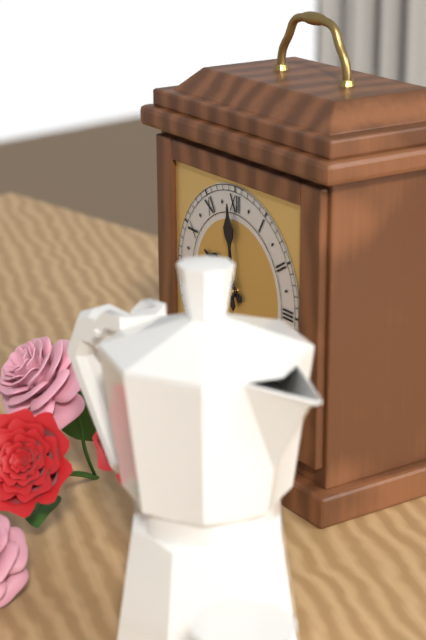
9:59
